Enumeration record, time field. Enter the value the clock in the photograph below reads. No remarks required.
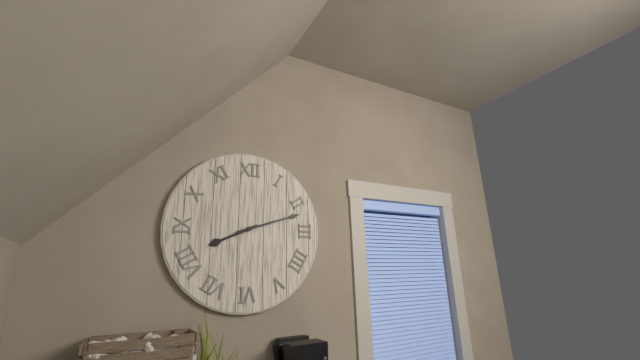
8:12
